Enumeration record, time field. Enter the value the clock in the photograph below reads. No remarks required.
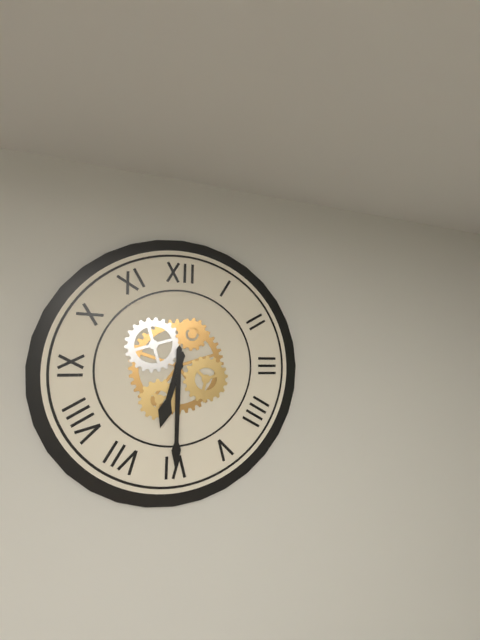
6:30
